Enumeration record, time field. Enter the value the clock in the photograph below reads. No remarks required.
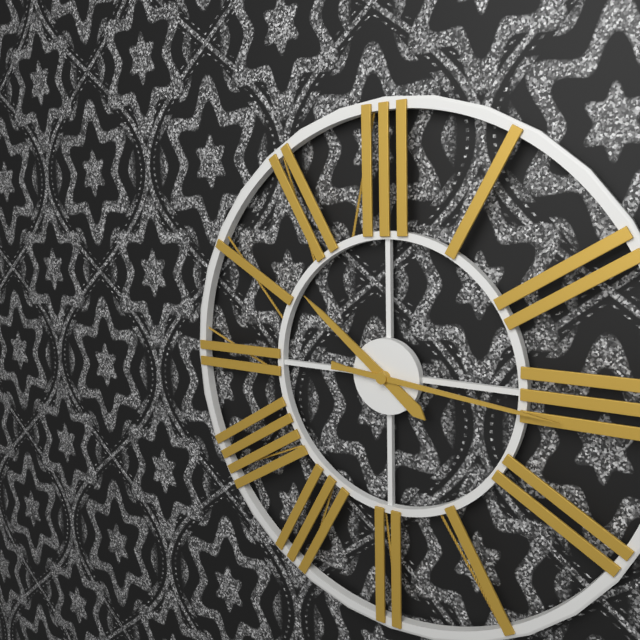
10:16
